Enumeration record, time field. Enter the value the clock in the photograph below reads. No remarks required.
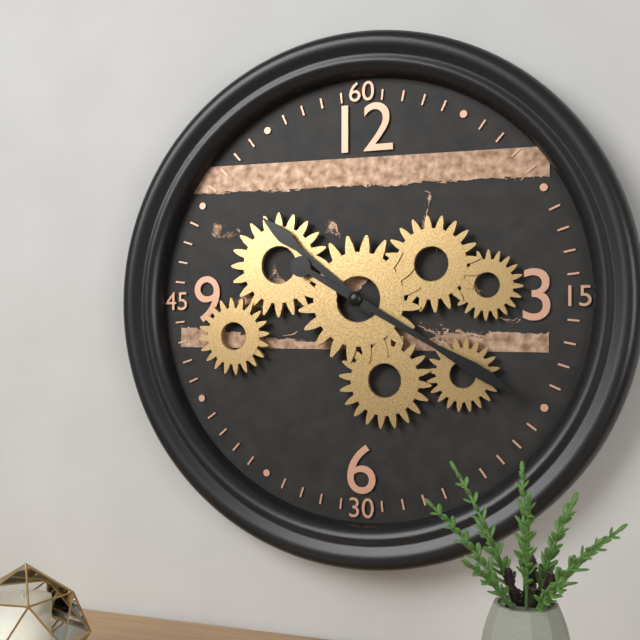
10:20
